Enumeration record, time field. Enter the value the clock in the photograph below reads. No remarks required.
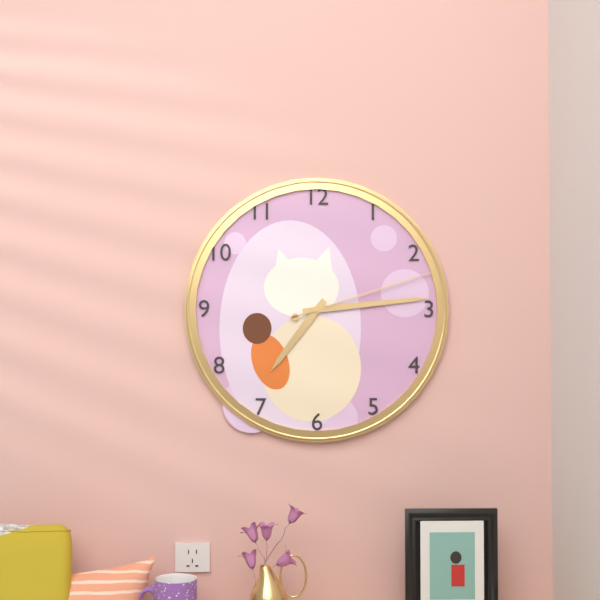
7:14:12
